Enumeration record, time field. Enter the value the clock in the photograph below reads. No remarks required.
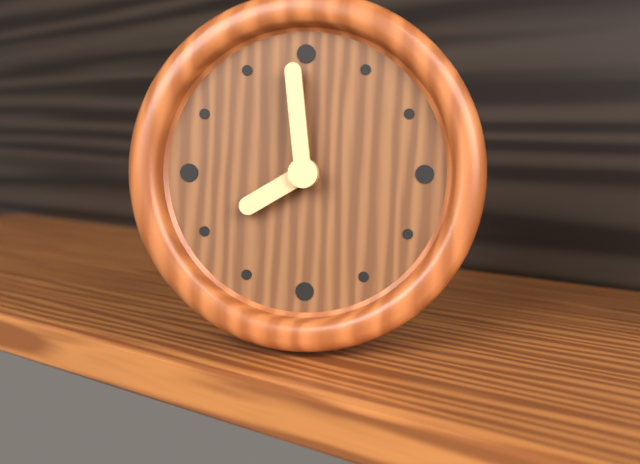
7:59
